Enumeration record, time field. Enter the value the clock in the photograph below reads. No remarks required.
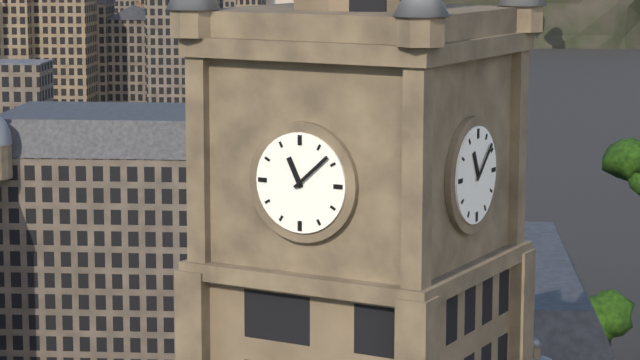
11:08
